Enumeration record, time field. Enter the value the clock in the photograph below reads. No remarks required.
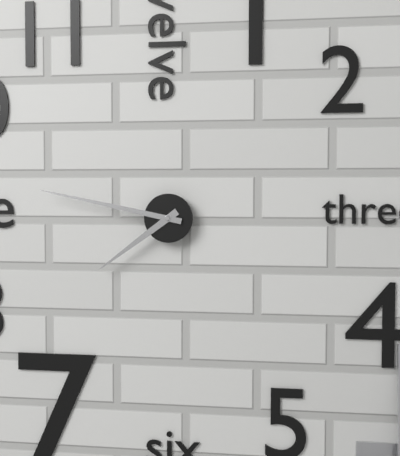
7:47
